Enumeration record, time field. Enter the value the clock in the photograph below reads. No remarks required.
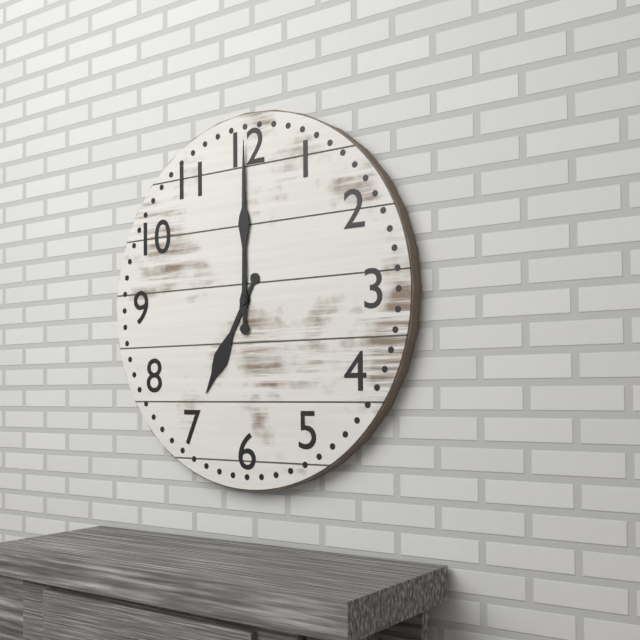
7:00
